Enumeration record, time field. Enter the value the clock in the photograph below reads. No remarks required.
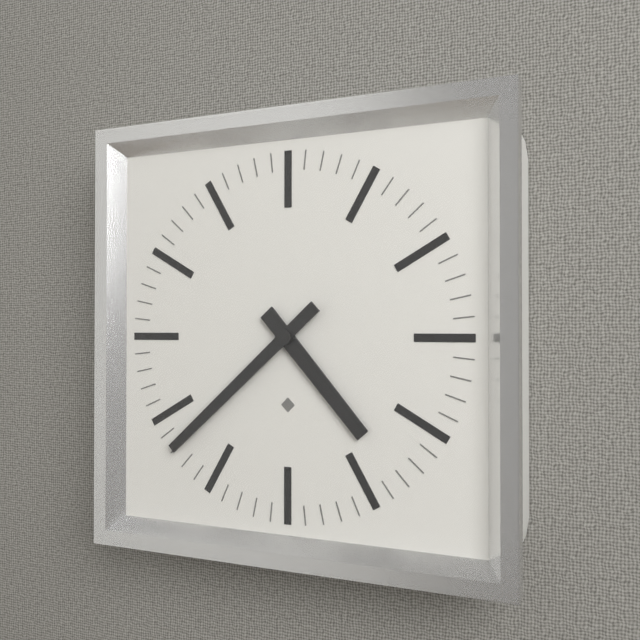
4:38
